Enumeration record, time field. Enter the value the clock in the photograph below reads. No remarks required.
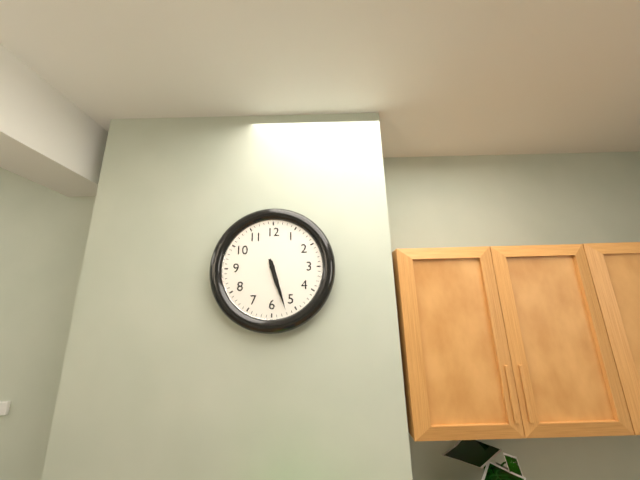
5:27
